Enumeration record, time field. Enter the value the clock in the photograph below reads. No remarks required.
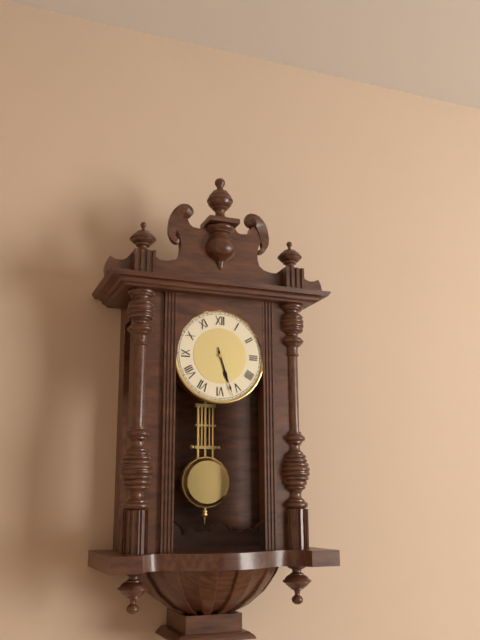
5:27
